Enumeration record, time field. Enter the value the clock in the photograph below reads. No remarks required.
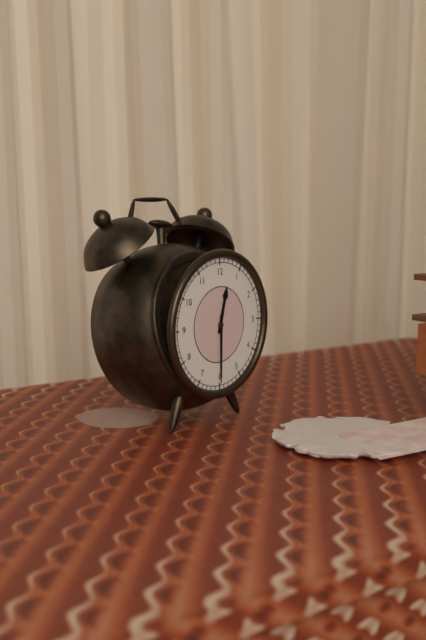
12:30
